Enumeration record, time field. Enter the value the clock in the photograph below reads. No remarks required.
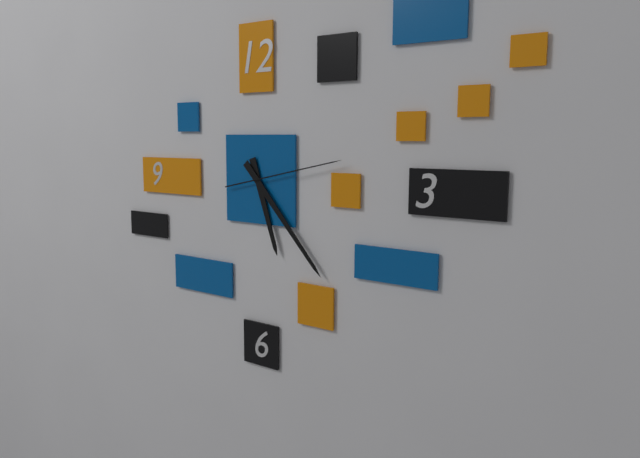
5:23:13
